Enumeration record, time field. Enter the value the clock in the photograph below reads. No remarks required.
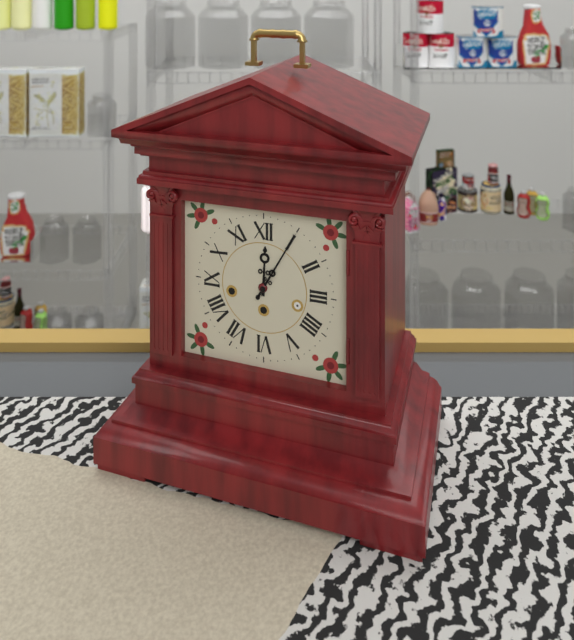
12:05
